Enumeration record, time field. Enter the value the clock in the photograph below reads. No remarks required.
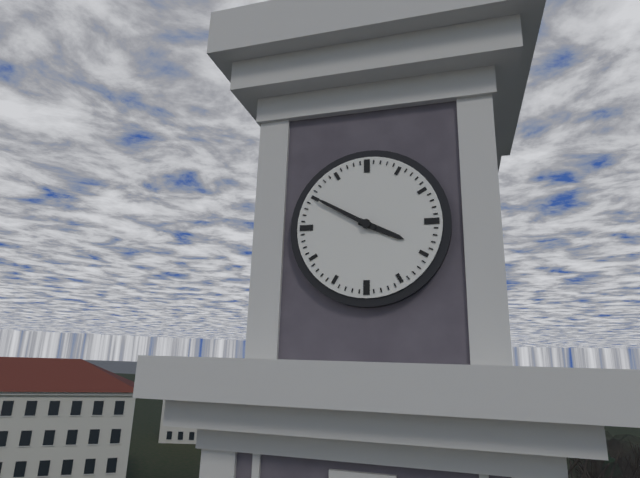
3:50
